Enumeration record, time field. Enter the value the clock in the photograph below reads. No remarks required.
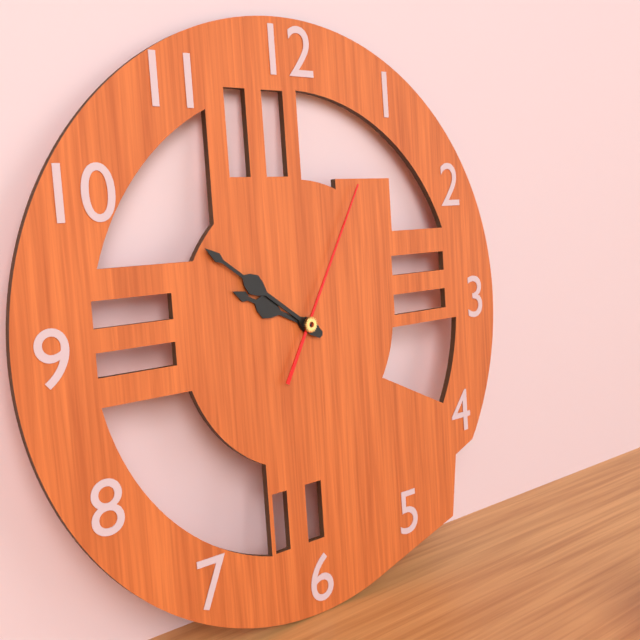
9:51:05
